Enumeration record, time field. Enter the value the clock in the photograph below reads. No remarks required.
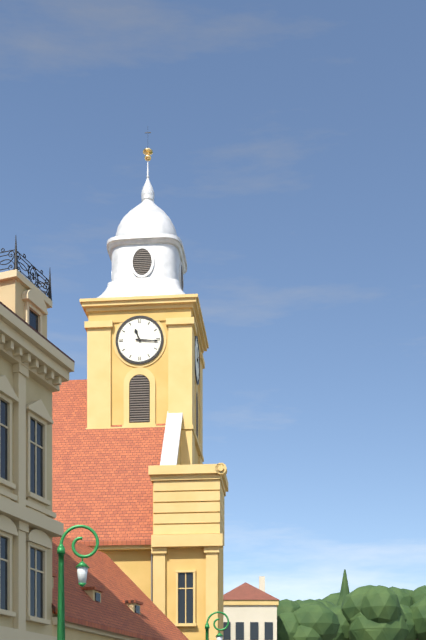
11:16
